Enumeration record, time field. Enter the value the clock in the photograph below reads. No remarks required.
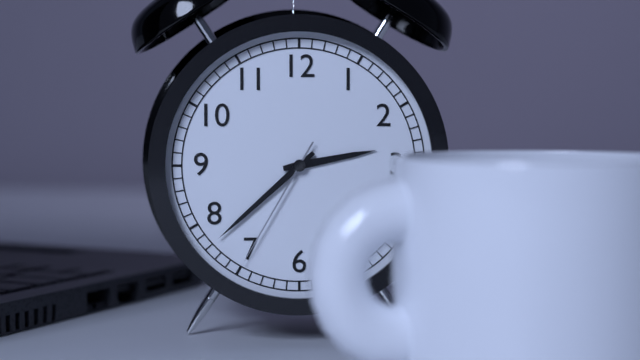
2:38:35
